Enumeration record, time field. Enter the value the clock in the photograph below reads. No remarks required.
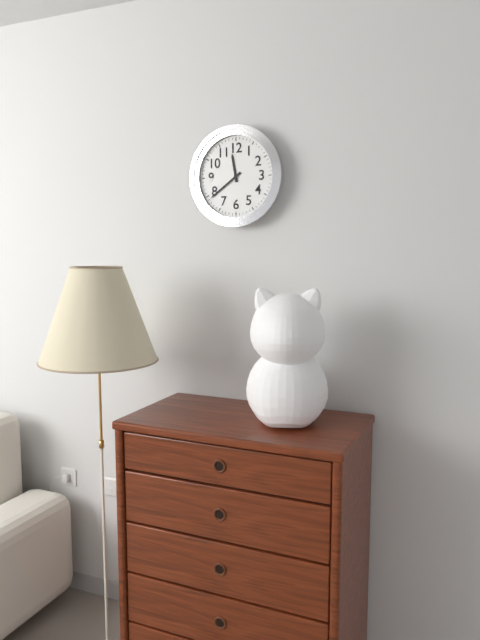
11:39
